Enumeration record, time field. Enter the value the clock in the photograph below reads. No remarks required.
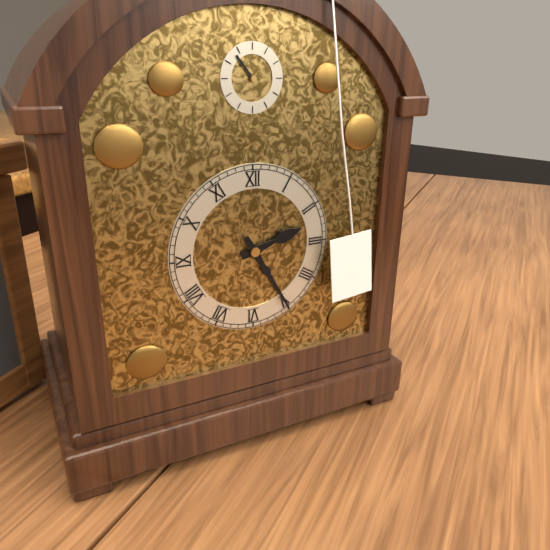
2:25
